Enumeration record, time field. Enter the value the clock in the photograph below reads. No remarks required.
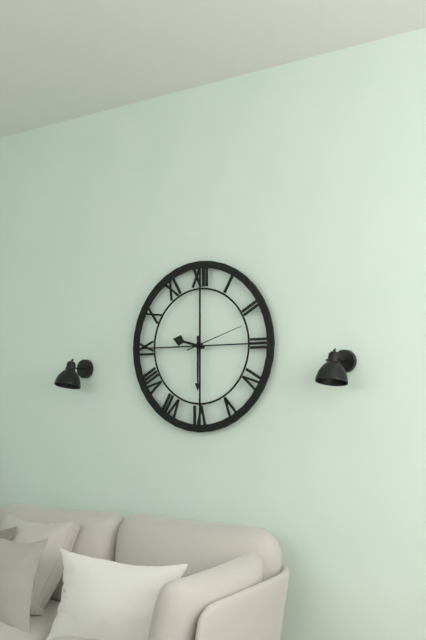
9:30:12
